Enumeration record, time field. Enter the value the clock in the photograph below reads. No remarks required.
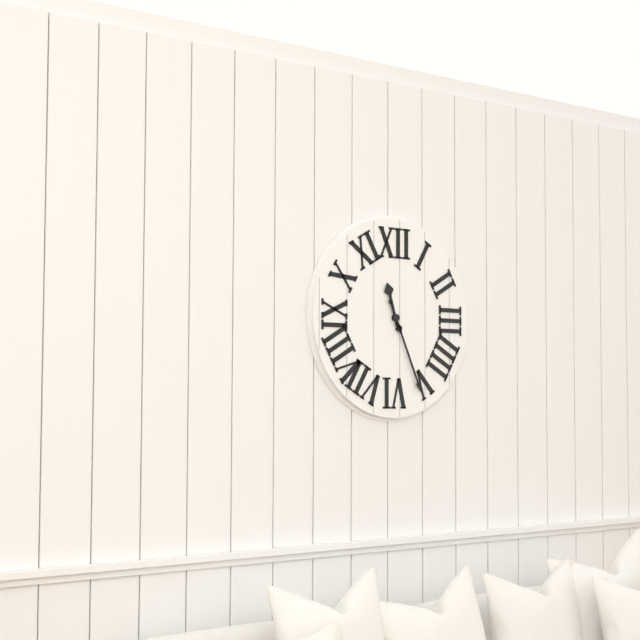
11:26
